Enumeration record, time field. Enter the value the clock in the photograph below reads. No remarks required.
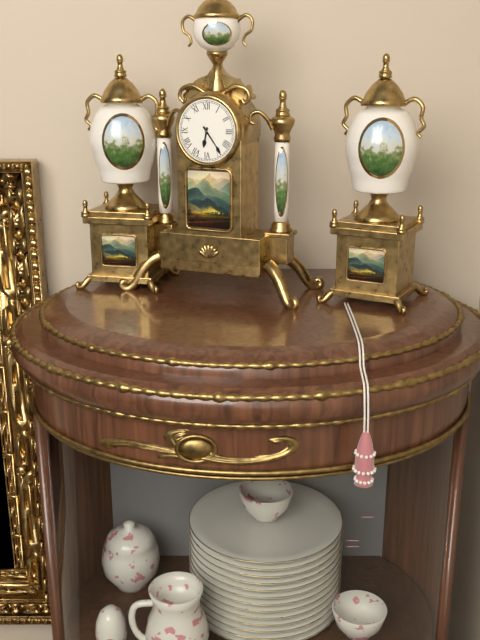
6:24
